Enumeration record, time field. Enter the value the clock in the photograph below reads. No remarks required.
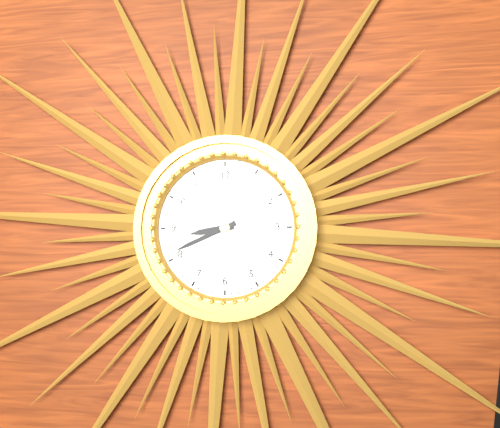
8:41
